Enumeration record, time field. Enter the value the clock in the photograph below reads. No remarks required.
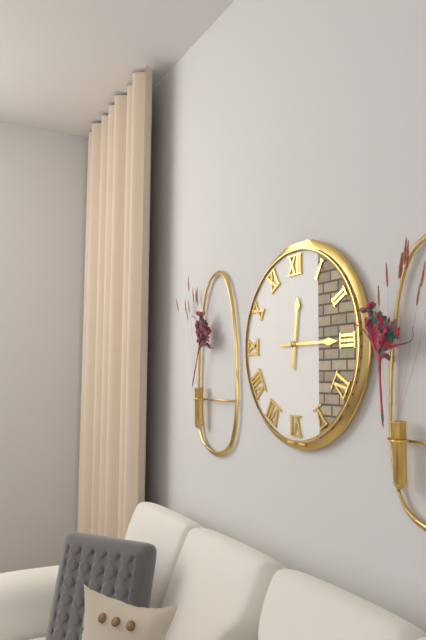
12:15
